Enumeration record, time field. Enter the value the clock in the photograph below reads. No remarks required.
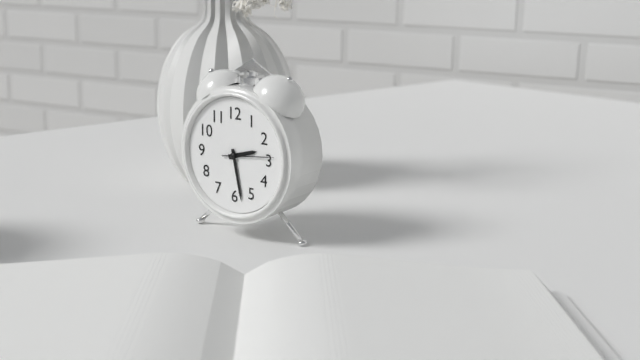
2:28:14
